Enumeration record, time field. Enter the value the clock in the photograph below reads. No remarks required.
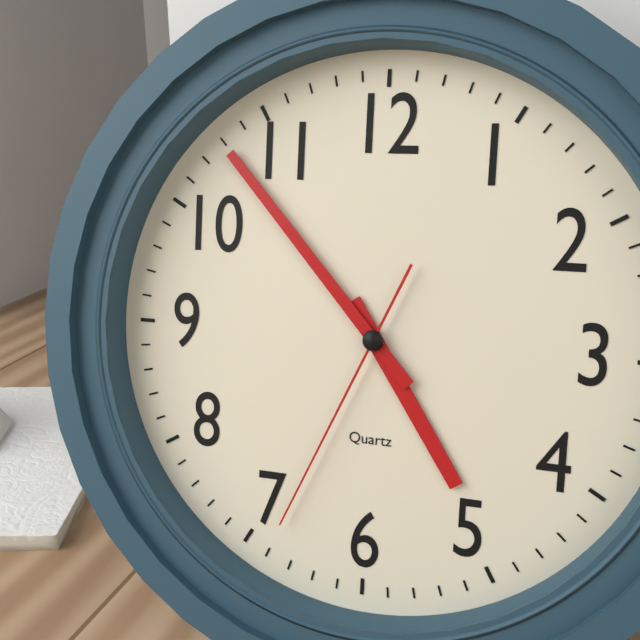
4:53:34
